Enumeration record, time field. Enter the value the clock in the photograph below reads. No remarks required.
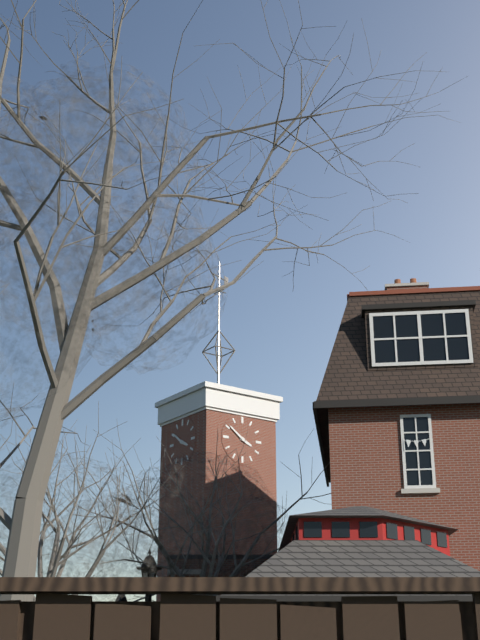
3:51
